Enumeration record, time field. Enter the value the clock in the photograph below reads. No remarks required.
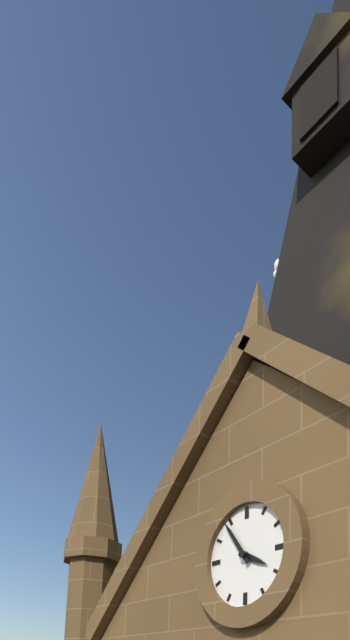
3:54
